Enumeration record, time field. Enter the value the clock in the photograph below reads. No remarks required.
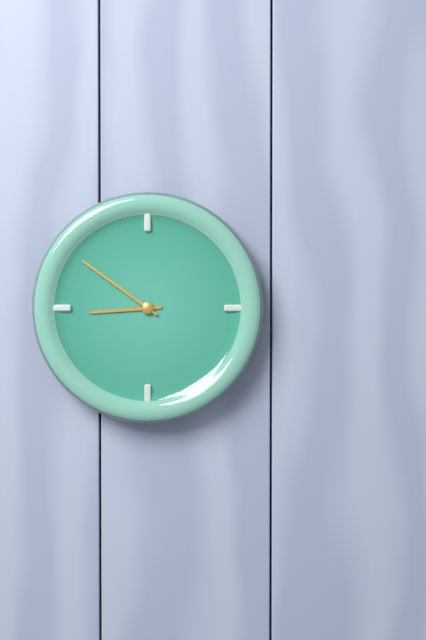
8:51
